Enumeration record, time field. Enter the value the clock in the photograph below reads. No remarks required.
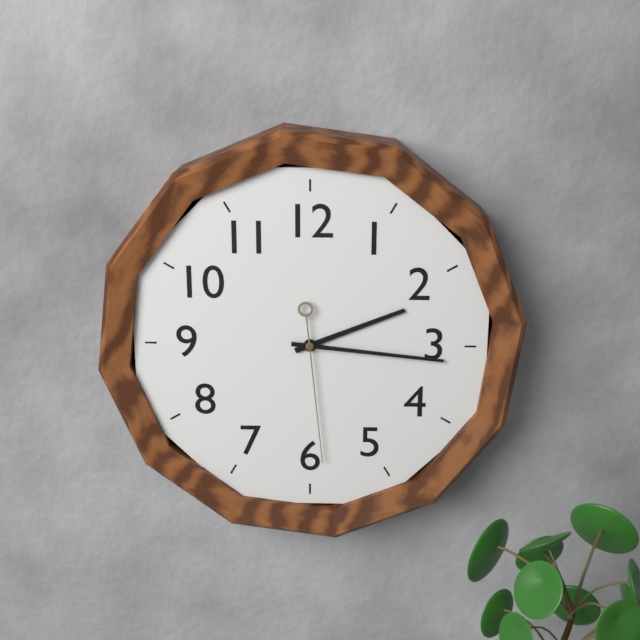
2:16:29
